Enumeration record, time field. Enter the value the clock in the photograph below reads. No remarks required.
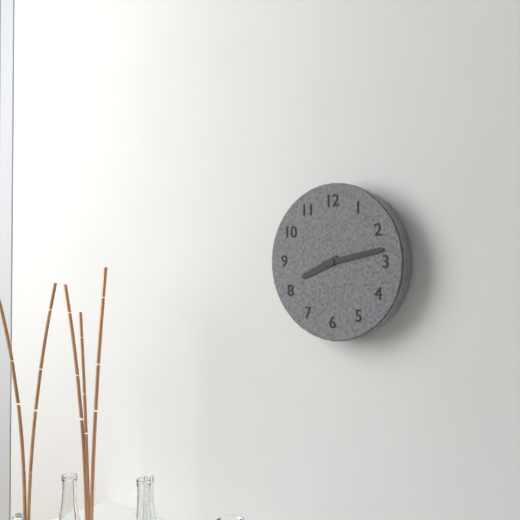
8:13
